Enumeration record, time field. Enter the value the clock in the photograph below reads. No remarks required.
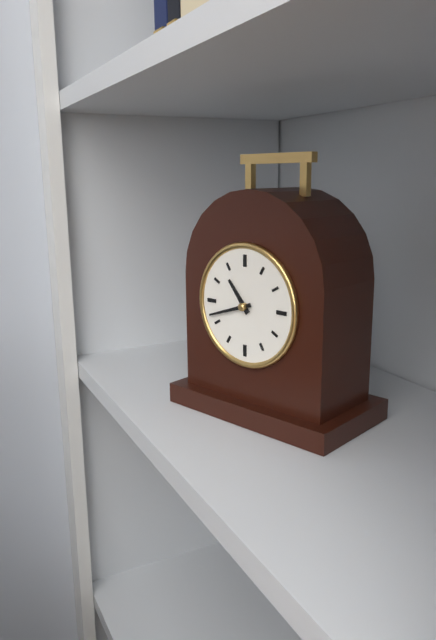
10:42
